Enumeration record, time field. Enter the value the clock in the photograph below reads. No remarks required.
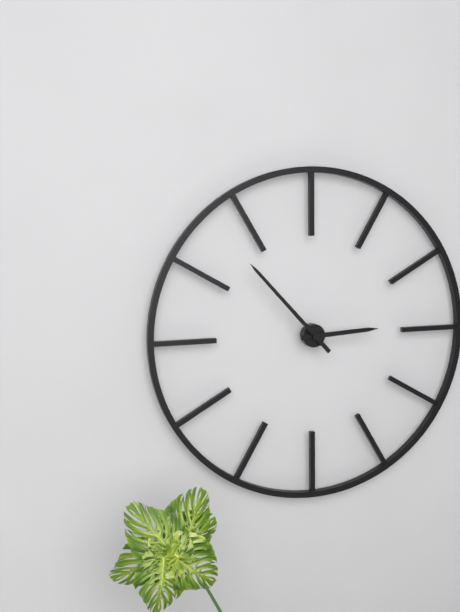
2:53
